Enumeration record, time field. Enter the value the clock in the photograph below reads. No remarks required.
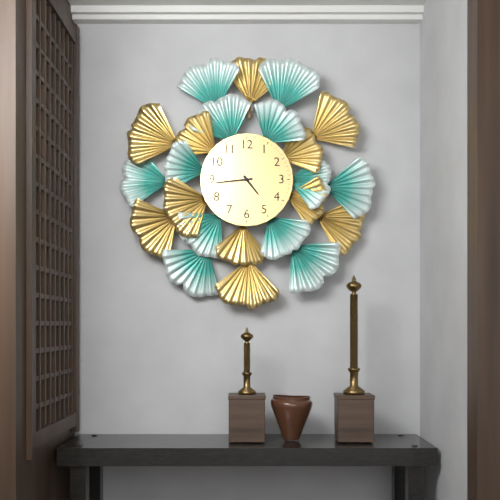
4:44
